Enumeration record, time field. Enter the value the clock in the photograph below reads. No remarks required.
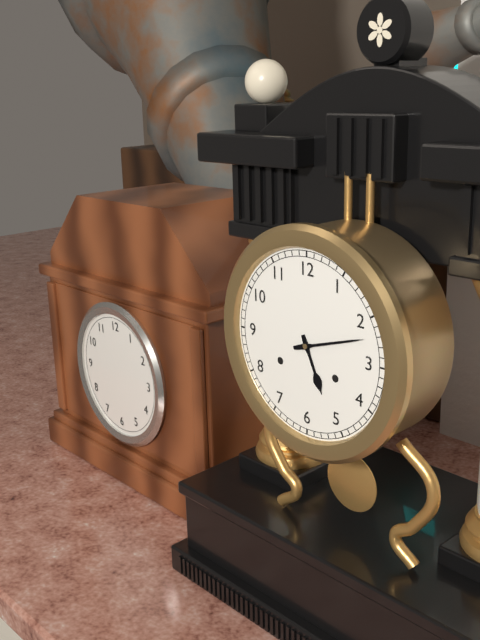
5:12
